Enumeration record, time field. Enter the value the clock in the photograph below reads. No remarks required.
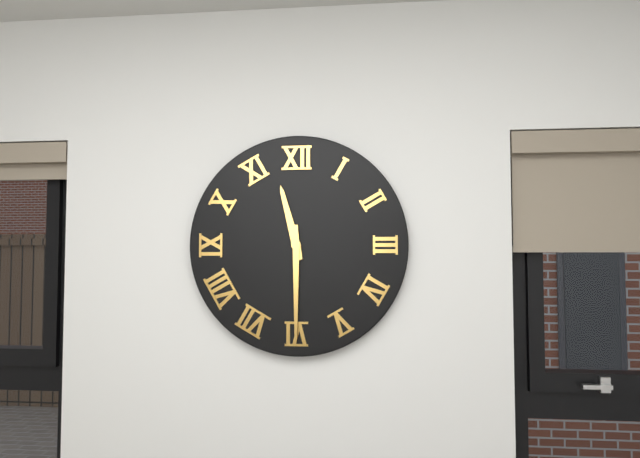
11:30
